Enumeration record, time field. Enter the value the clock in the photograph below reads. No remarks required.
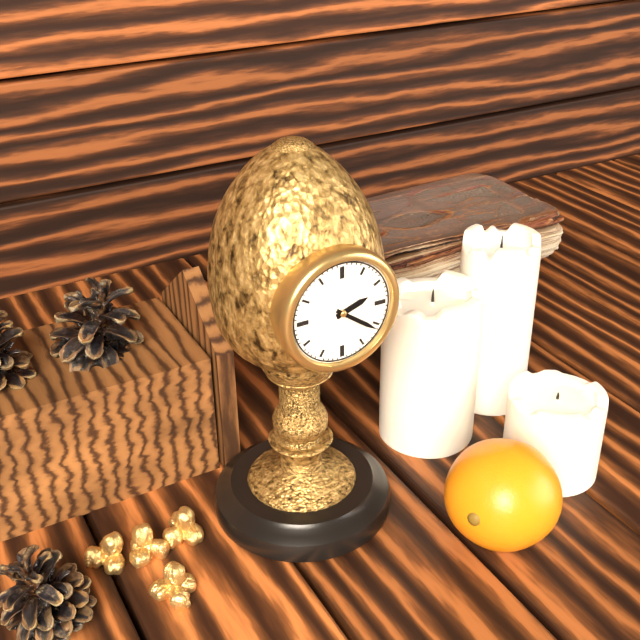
2:21
